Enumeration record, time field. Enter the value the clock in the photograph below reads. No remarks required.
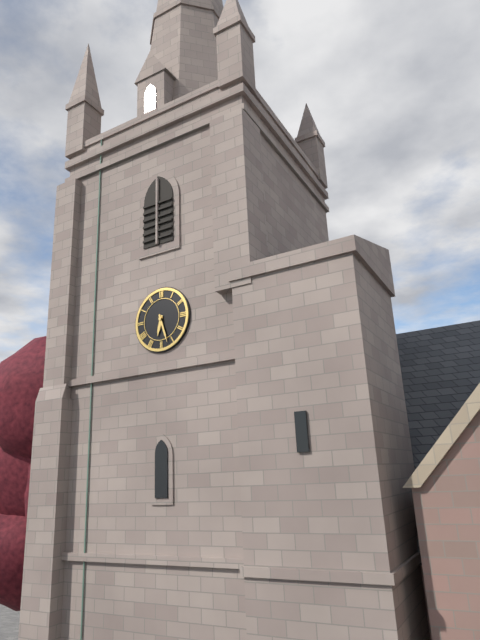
6:27
